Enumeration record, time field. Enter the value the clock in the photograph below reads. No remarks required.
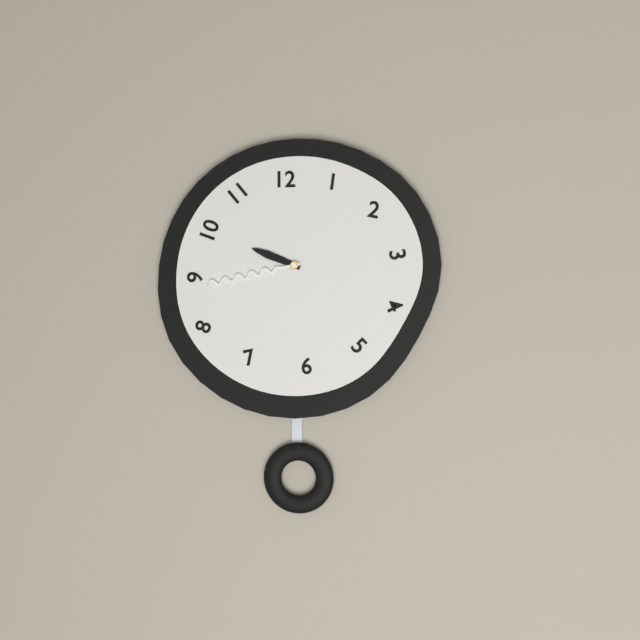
9:43
